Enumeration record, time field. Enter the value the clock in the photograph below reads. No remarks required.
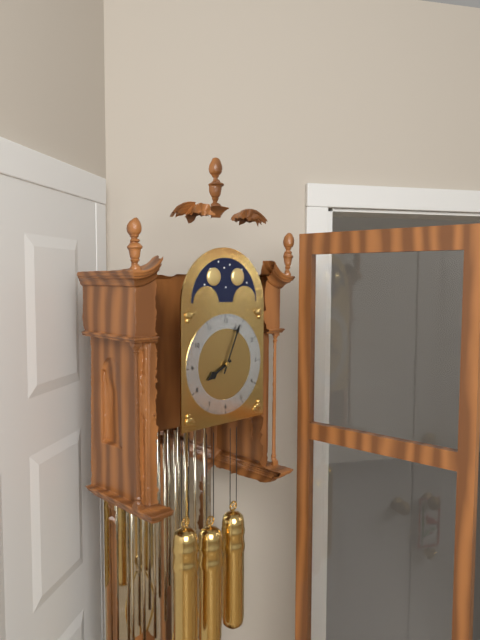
8:04
